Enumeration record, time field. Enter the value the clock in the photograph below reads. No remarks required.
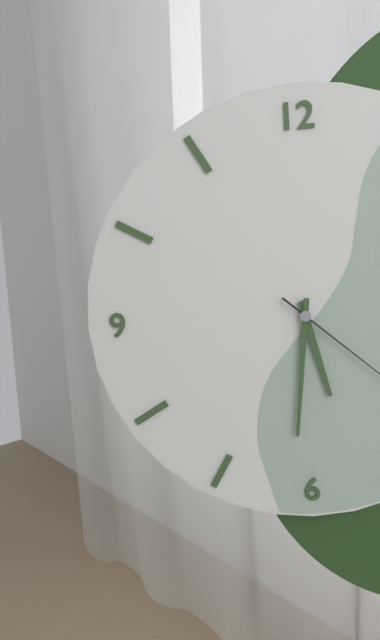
5:31
